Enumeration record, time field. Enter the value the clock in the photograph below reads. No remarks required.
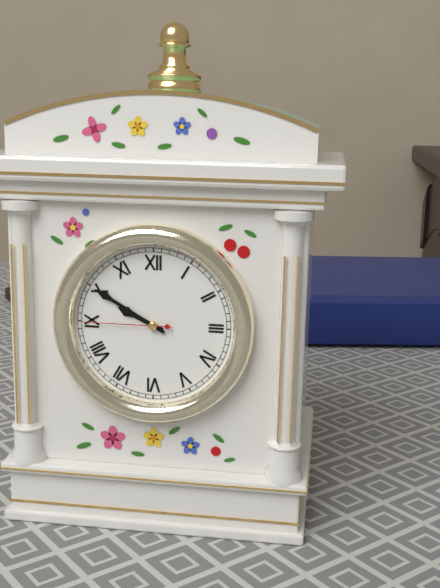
9:50:45
